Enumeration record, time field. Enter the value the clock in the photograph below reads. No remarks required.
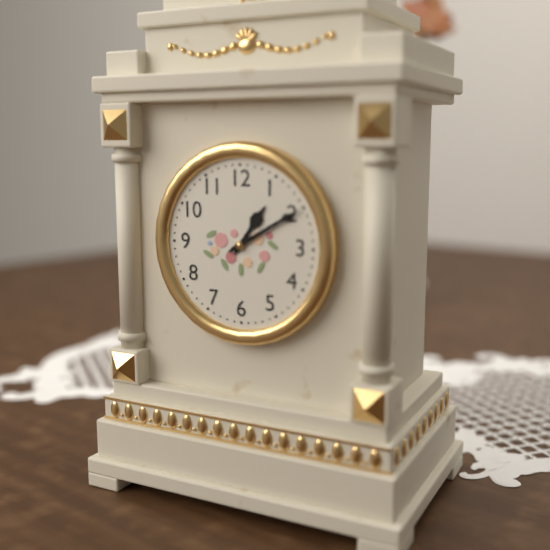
1:10
